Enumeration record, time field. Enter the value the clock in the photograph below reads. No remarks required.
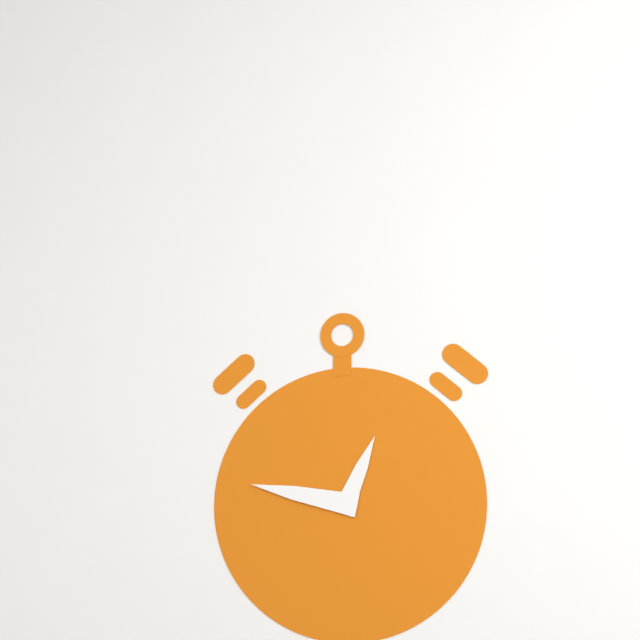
12:47
